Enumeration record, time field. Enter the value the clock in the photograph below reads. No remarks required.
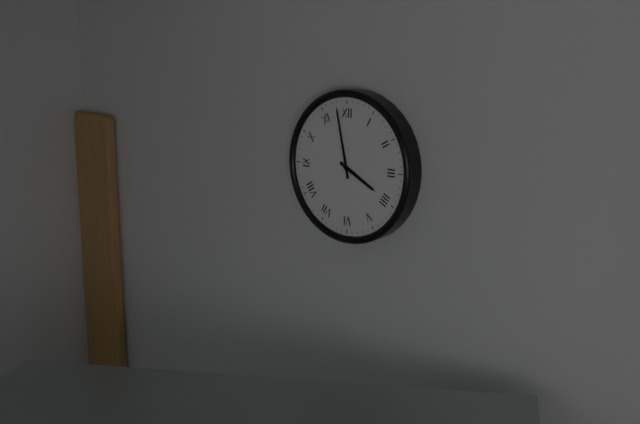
3:58
